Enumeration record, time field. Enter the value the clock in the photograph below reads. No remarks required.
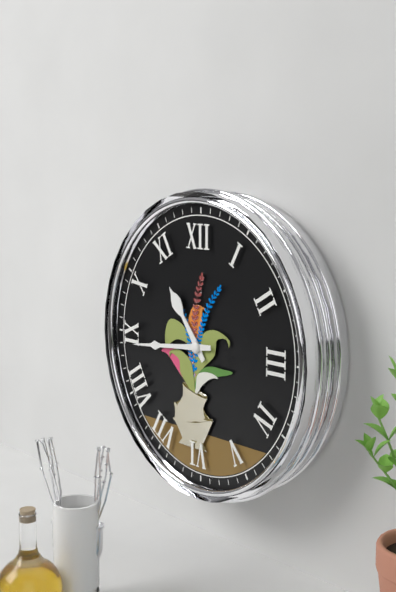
10:44
